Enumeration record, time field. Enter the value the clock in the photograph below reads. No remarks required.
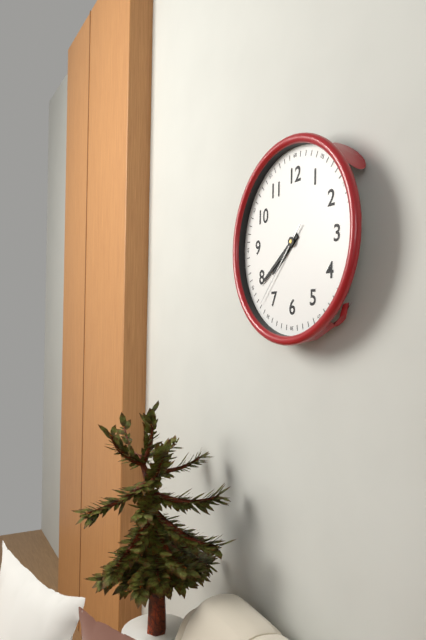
7:39:37
